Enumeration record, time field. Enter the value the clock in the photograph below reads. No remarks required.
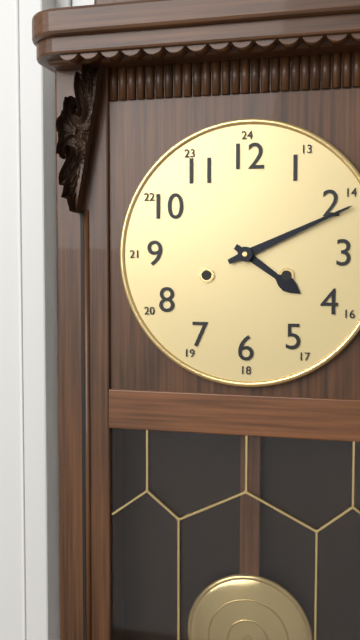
4:11
